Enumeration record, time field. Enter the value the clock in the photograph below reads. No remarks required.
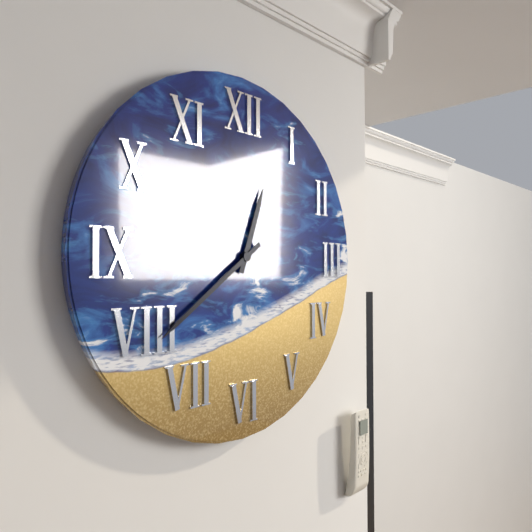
12:39
